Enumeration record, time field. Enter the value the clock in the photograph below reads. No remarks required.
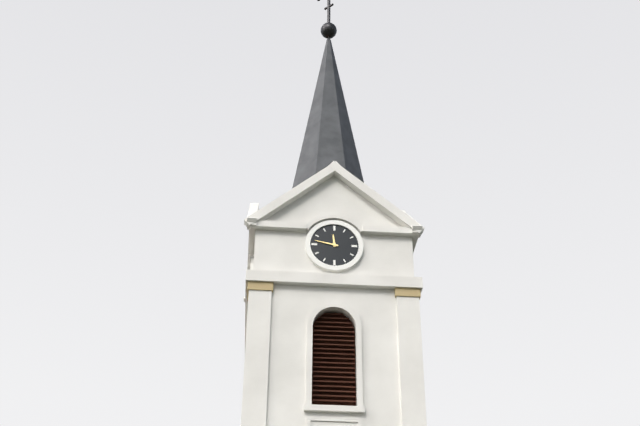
11:47
